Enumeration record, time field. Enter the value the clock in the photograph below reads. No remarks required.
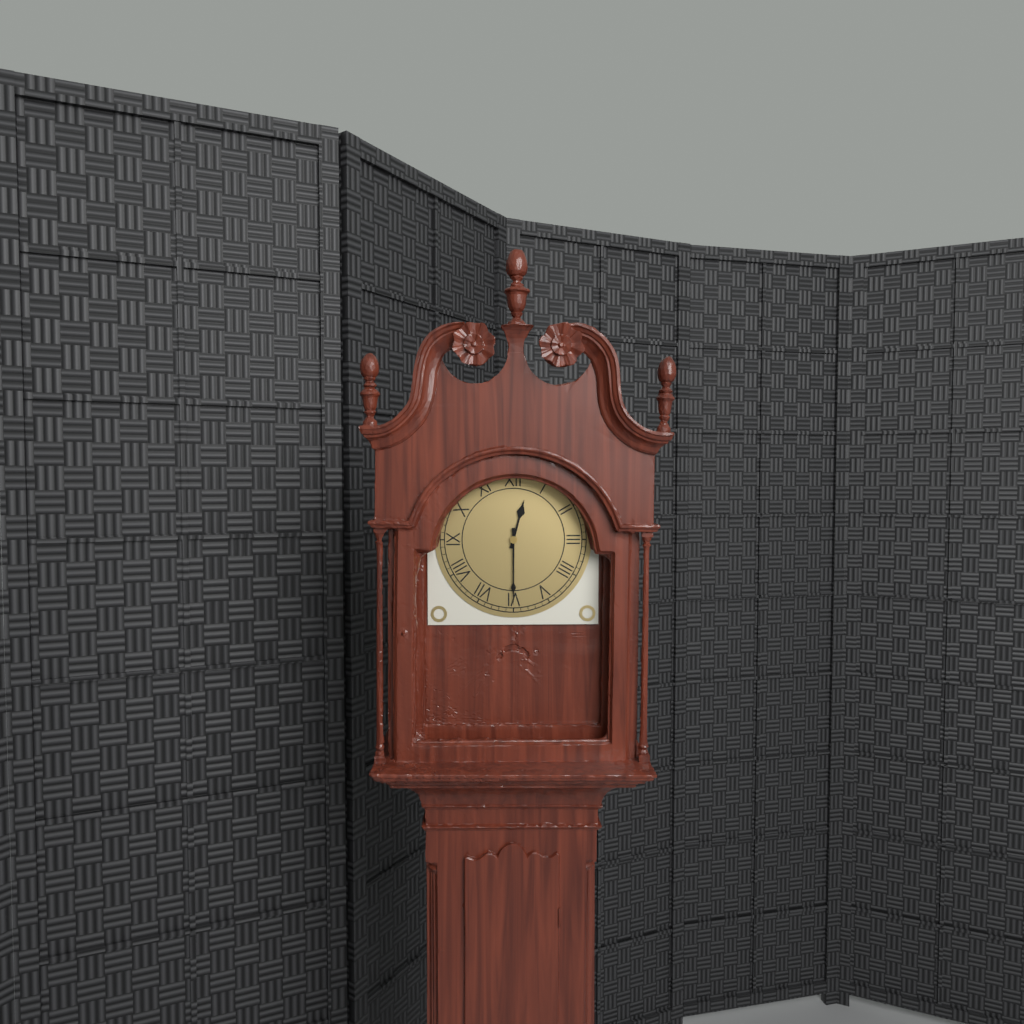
12:30
